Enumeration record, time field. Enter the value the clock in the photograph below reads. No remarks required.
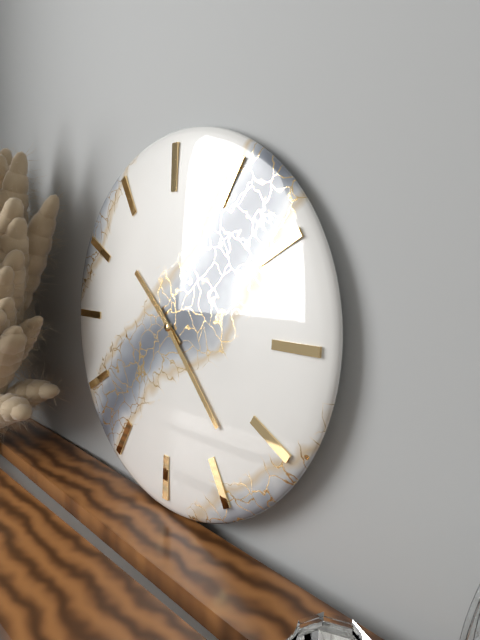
10:23
